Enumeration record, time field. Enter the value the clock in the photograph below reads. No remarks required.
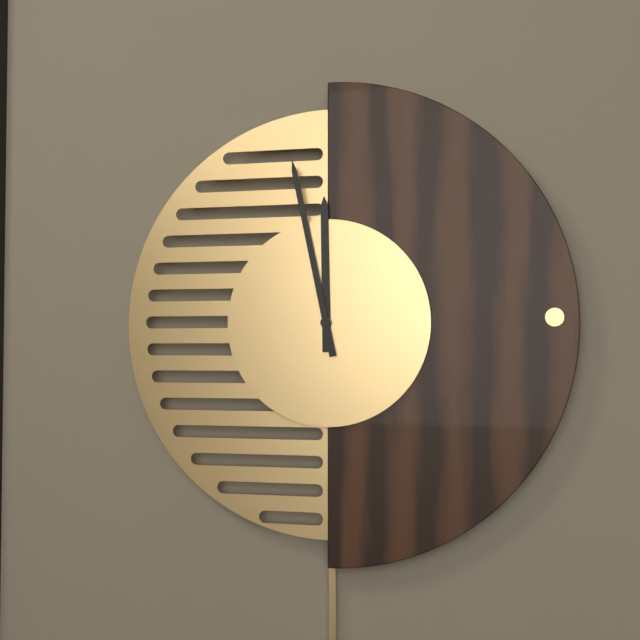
11:58
